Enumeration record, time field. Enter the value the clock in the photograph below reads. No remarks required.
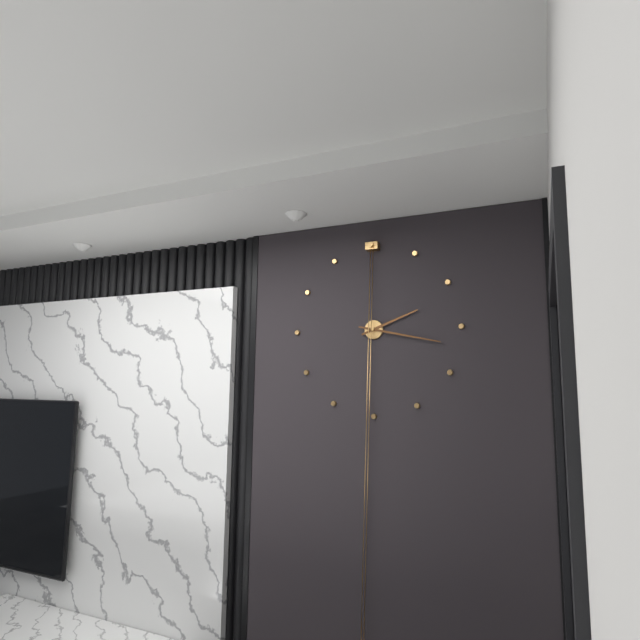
2:17
